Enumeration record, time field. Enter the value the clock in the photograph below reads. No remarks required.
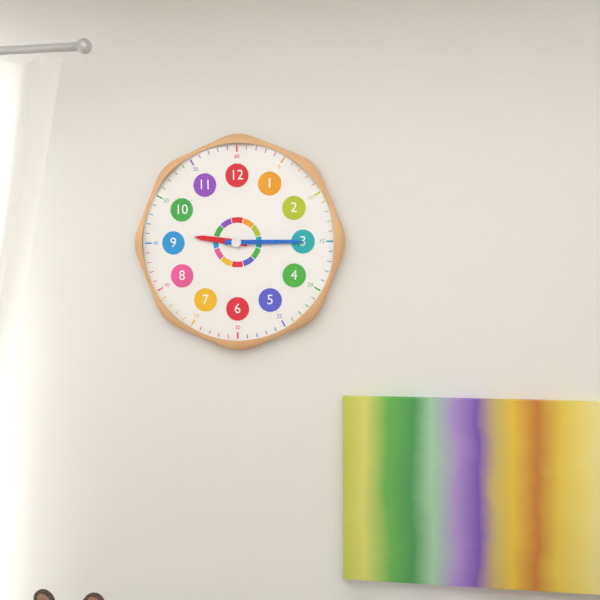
9:15
